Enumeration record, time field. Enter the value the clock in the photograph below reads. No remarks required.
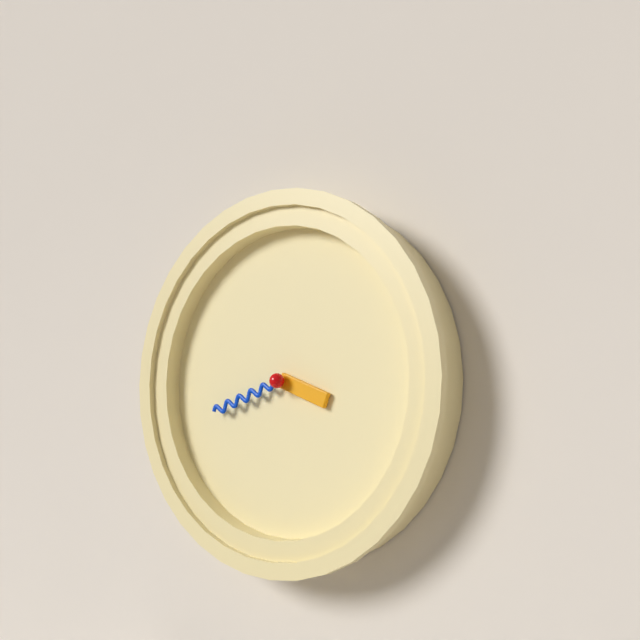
3:42
